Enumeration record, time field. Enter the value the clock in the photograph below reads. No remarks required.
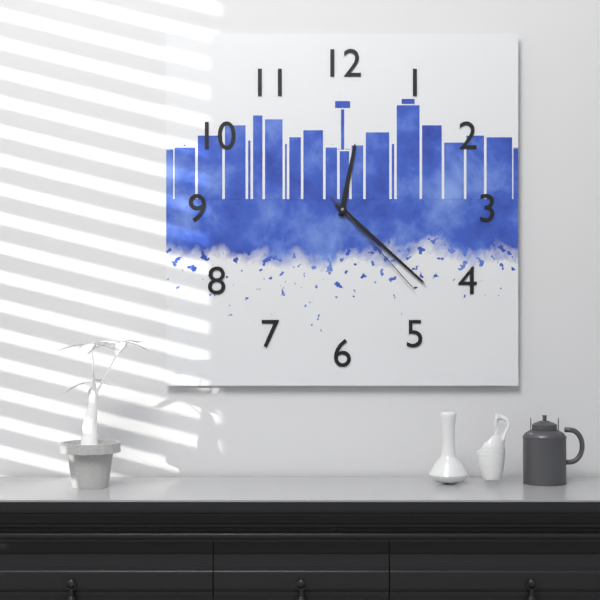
12:22:23
